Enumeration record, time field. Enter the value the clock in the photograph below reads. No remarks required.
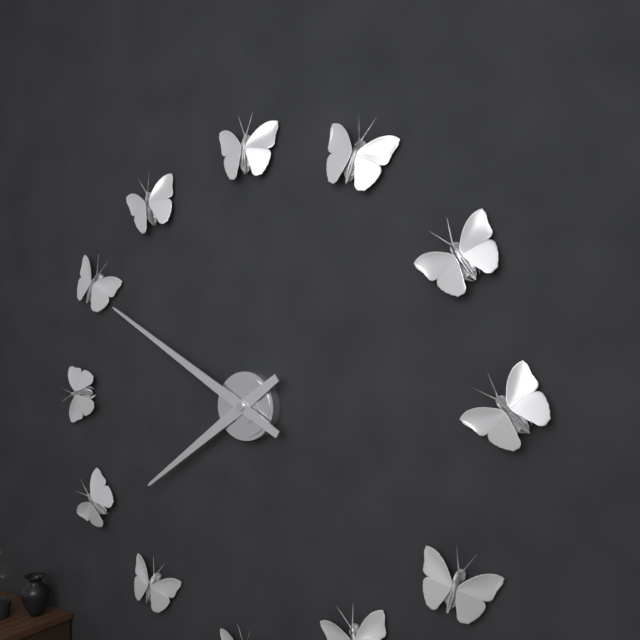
7:50
